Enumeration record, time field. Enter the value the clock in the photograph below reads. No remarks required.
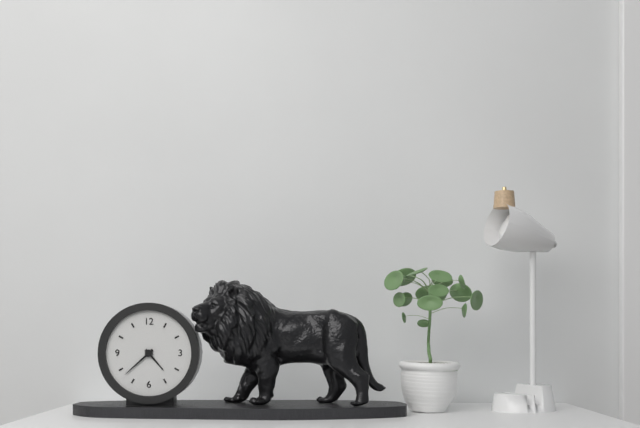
4:38
